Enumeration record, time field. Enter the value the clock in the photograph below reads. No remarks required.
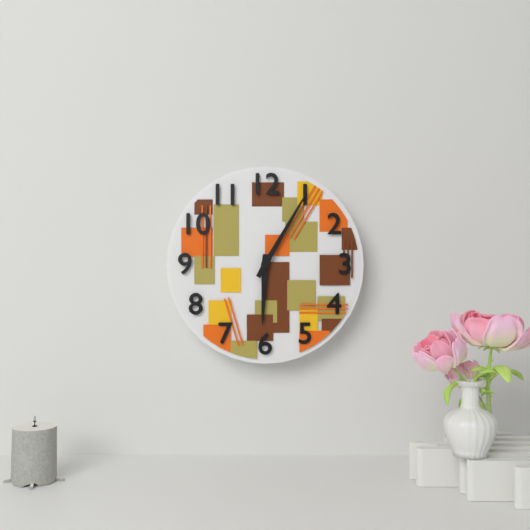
6:05
